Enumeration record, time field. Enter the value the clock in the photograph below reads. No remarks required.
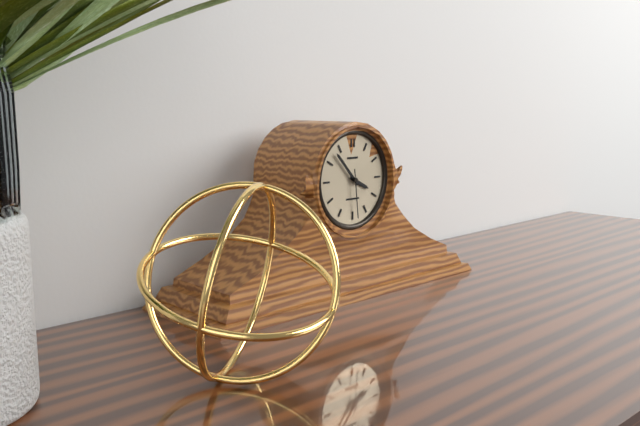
3:53
